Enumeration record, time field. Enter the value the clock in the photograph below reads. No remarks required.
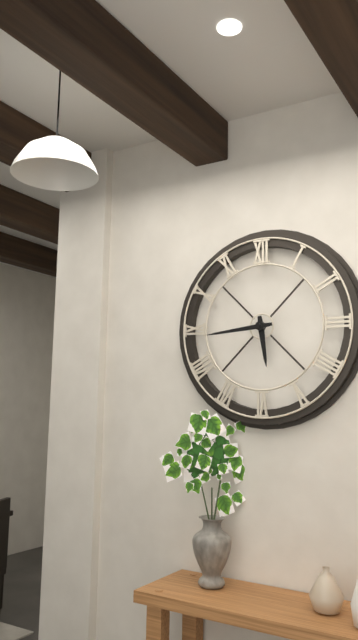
5:44
